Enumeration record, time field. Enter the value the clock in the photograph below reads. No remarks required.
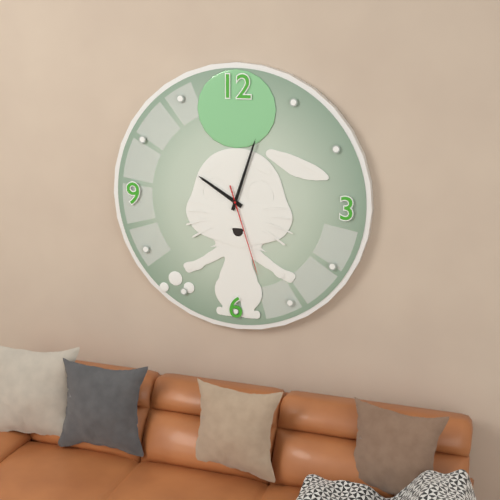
10:03:27
